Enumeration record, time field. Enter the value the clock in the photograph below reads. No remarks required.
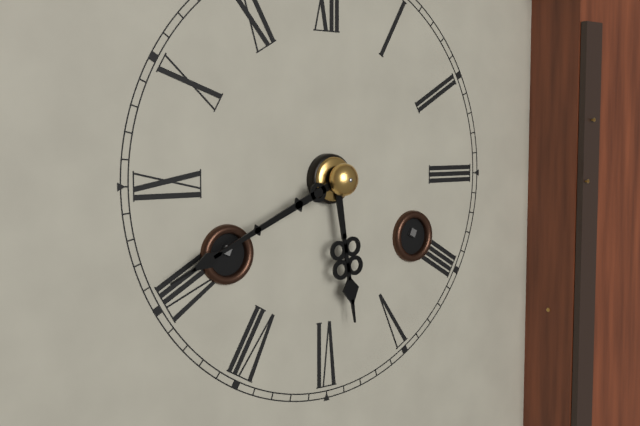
5:41
